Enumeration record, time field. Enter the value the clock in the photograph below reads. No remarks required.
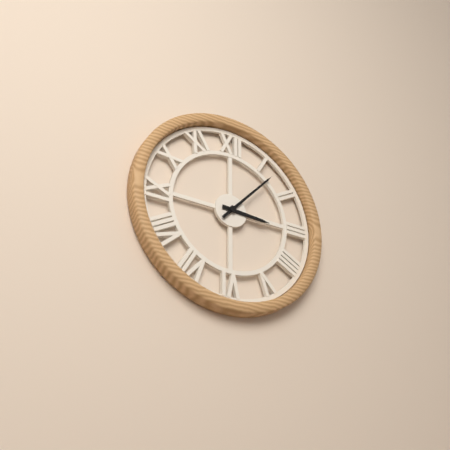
3:07
